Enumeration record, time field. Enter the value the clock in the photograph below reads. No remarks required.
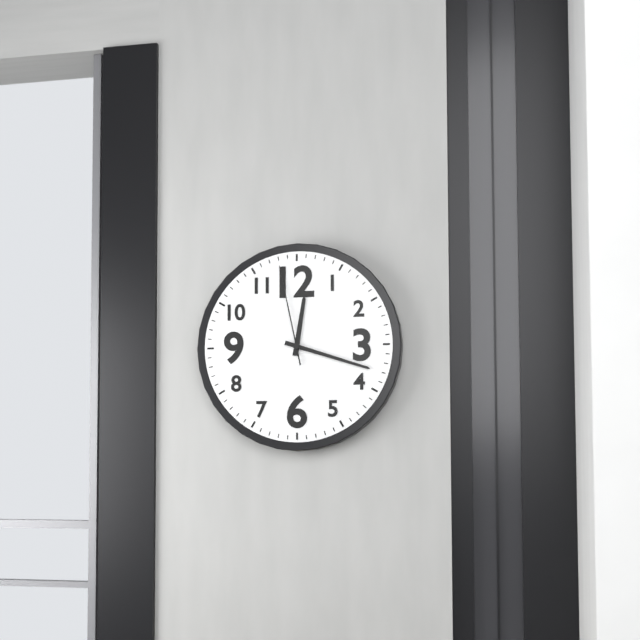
12:18:58
